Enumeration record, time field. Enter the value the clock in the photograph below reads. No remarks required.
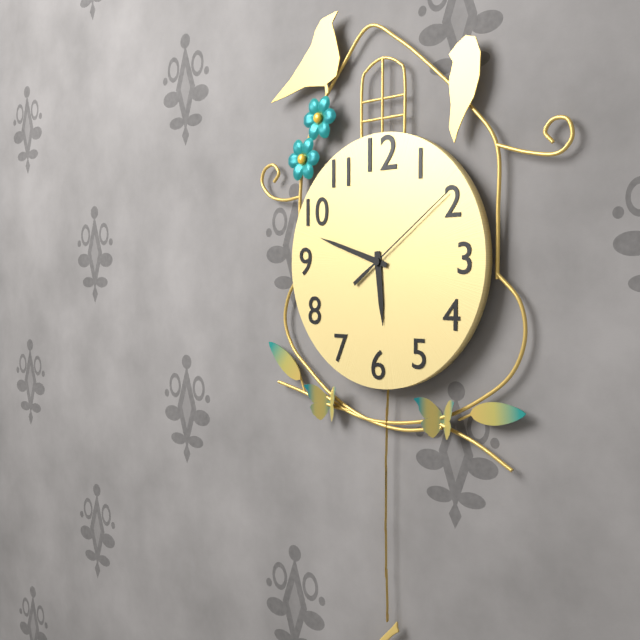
5:48:09
